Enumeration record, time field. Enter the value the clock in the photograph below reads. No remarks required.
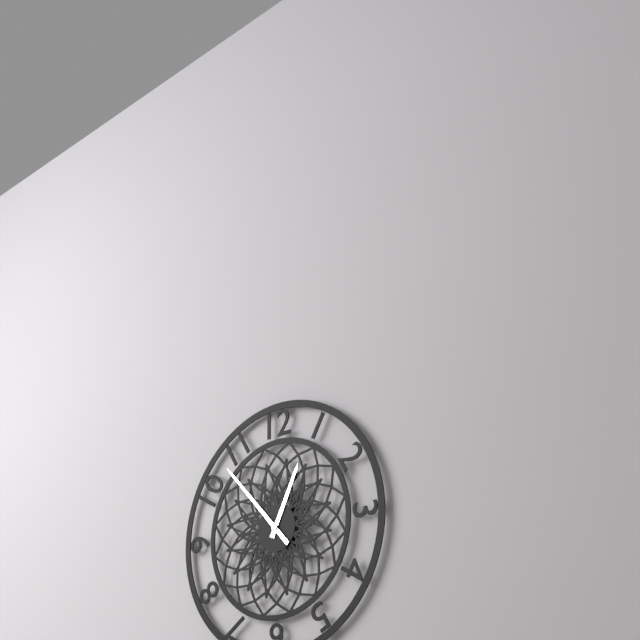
12:53
